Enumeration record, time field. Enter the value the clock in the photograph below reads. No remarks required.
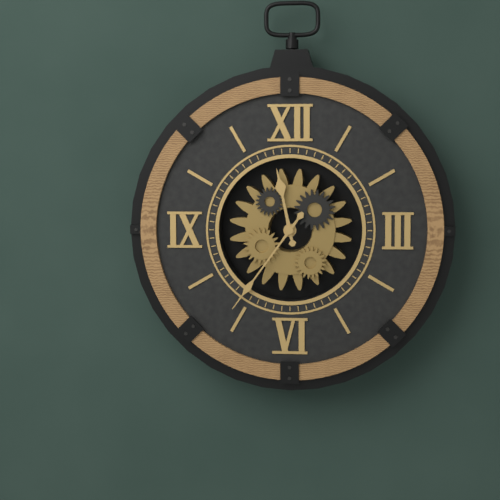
11:36
